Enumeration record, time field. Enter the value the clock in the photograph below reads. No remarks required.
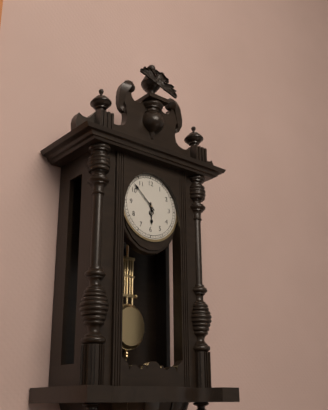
5:52
